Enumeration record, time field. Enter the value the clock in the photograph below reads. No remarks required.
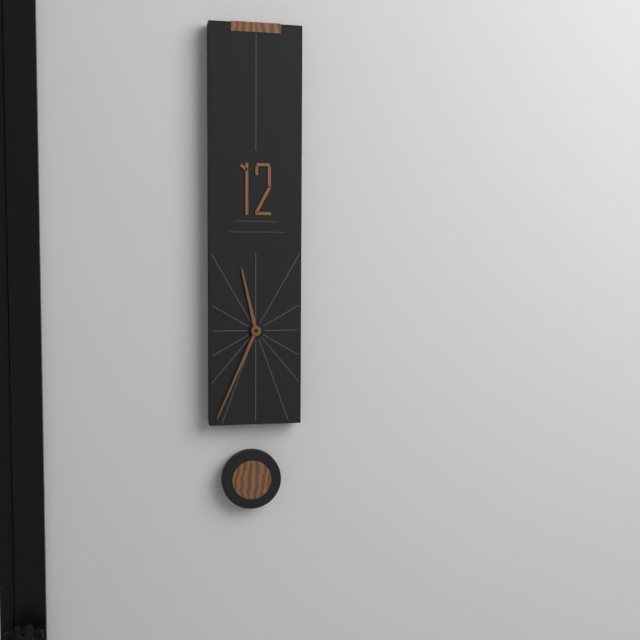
11:34
